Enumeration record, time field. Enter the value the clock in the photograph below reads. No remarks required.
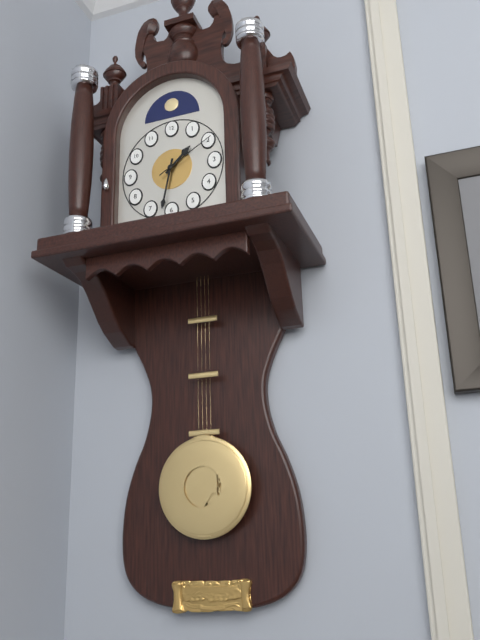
1:32:10
